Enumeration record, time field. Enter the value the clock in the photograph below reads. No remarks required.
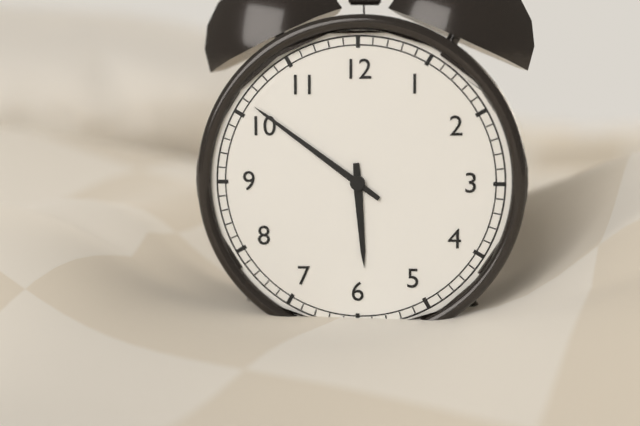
5:51
